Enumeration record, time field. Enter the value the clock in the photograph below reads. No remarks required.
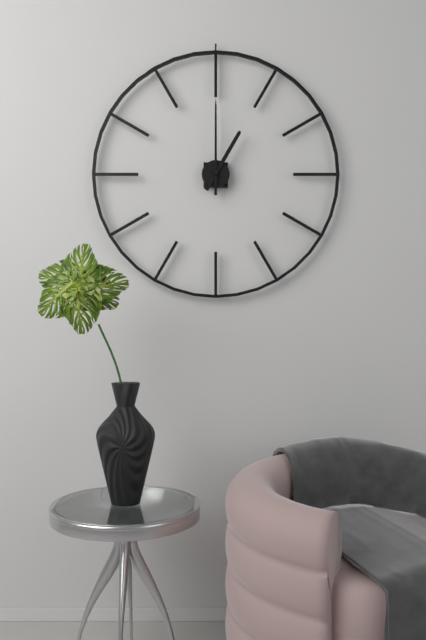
1:00
